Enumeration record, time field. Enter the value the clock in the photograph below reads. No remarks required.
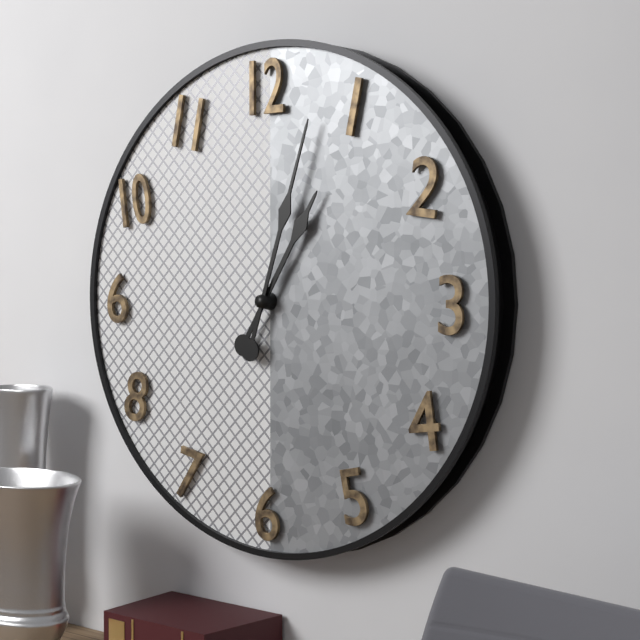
1:03
